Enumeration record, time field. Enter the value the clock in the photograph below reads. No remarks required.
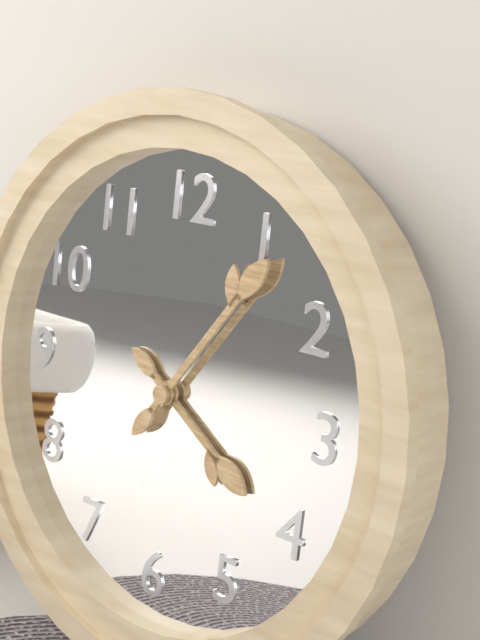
4:06
